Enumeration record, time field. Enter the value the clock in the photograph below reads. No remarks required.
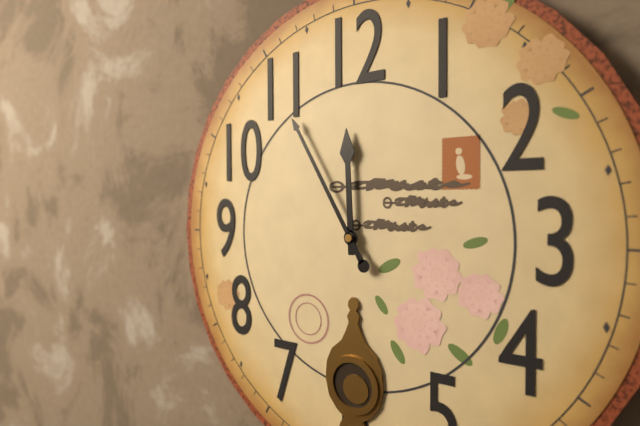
11:55
